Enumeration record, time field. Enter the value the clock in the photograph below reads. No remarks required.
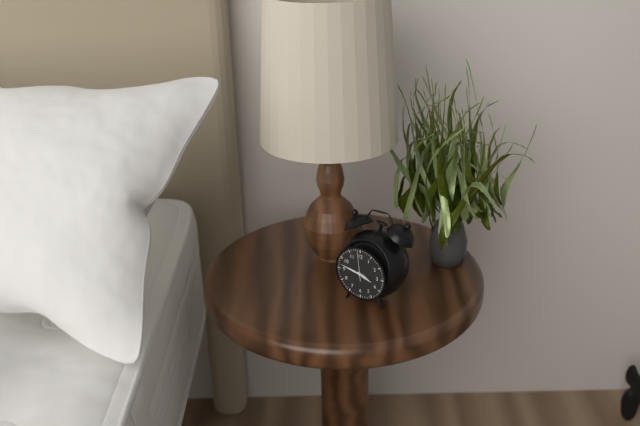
3:47
